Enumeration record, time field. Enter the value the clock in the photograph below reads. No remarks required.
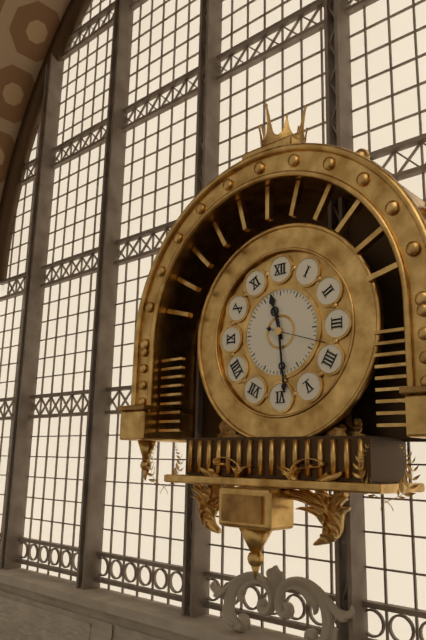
11:29:18
